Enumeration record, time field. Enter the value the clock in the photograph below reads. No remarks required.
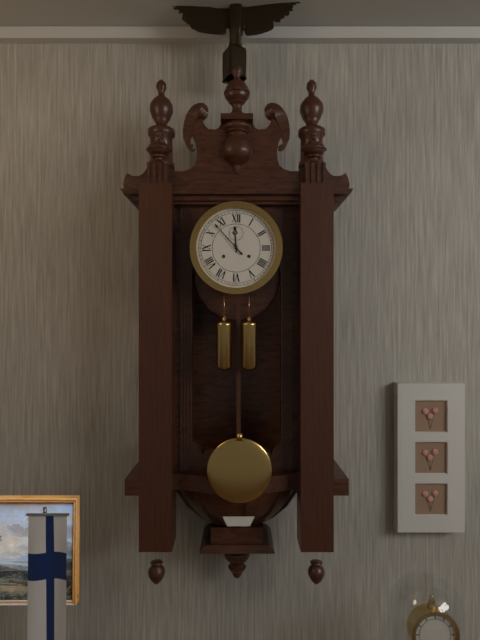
11:53
